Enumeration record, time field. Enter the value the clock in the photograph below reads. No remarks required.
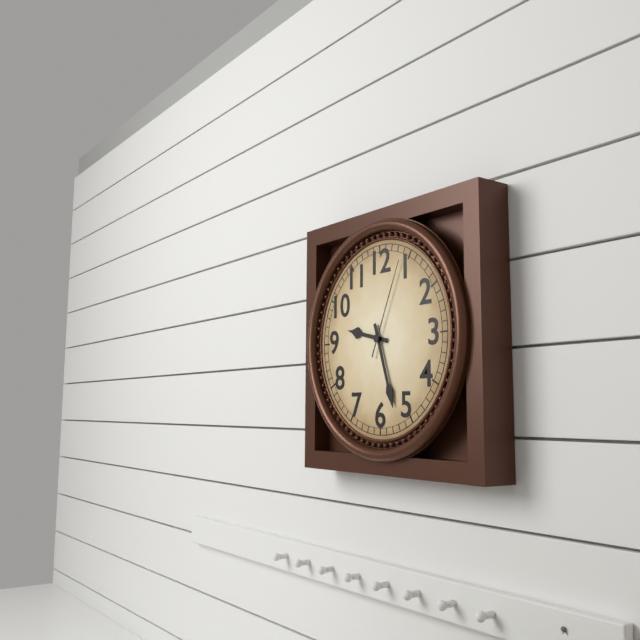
9:27:04
